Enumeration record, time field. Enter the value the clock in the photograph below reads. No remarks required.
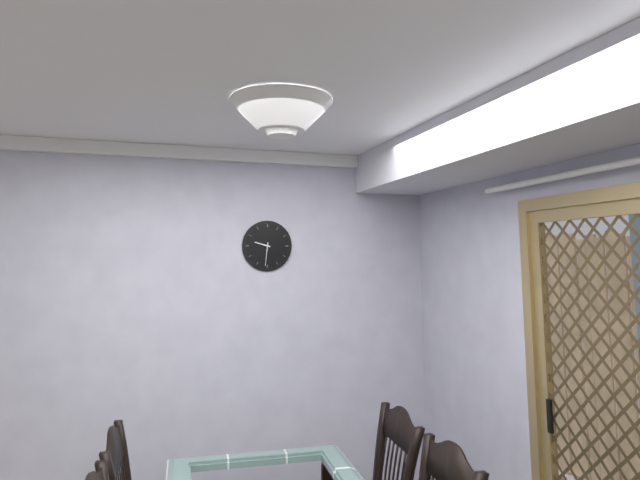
9:31
